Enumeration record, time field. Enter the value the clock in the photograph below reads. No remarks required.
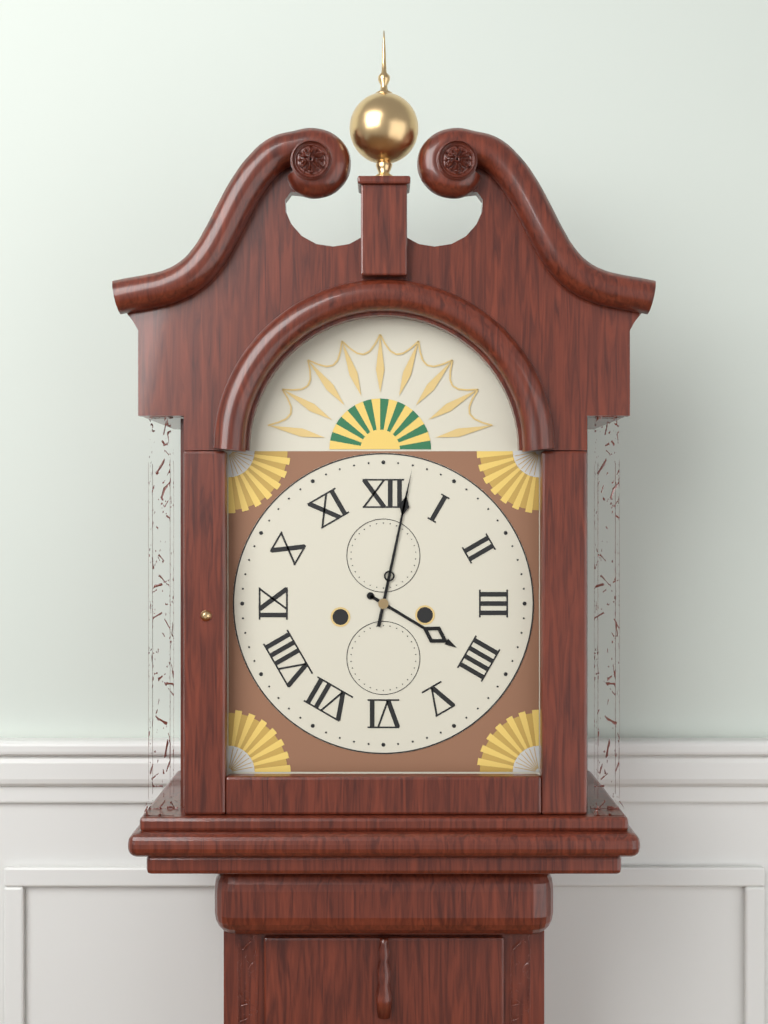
4:02
